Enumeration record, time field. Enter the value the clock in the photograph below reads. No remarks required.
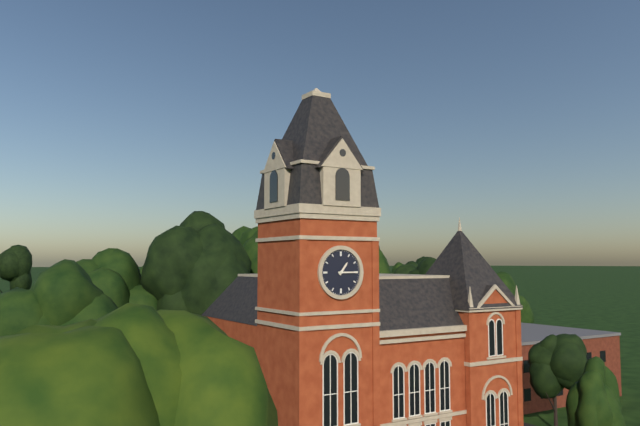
1:15
